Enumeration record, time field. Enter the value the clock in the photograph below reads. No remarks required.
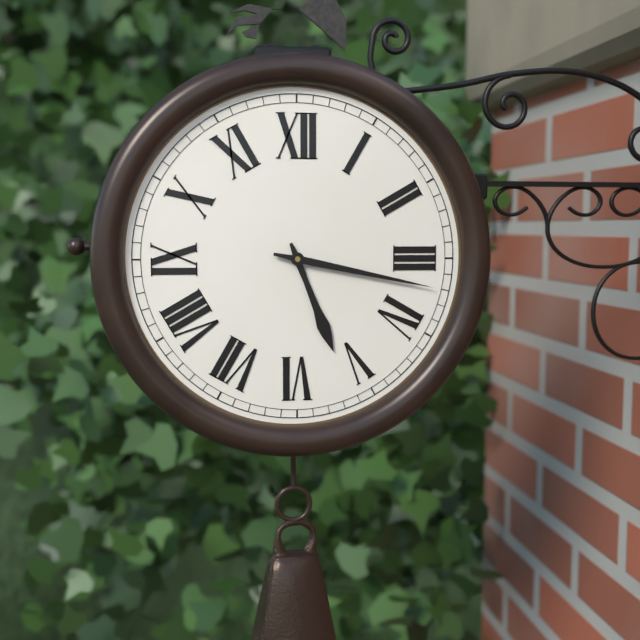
5:17
